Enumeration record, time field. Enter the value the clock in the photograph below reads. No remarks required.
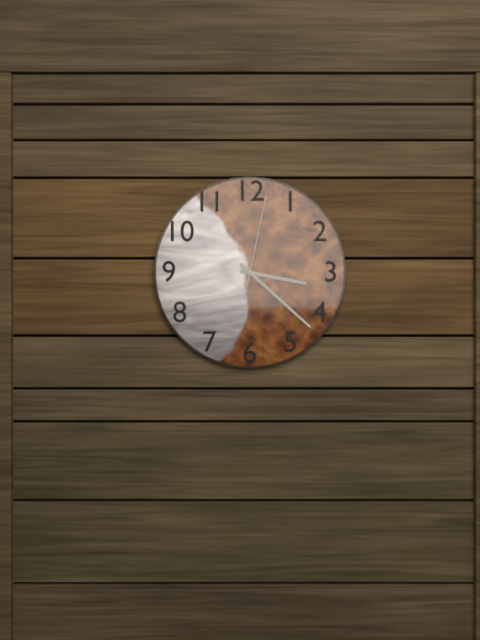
3:22:02
